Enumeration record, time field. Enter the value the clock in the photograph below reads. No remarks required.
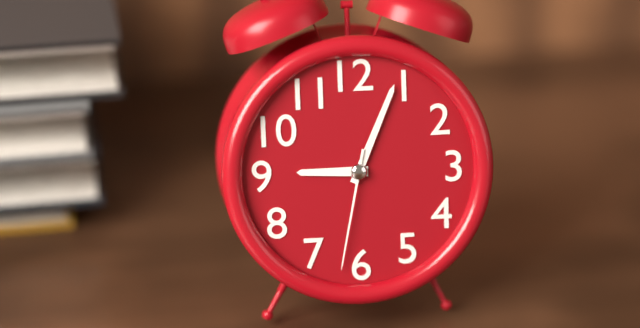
9:04:32
